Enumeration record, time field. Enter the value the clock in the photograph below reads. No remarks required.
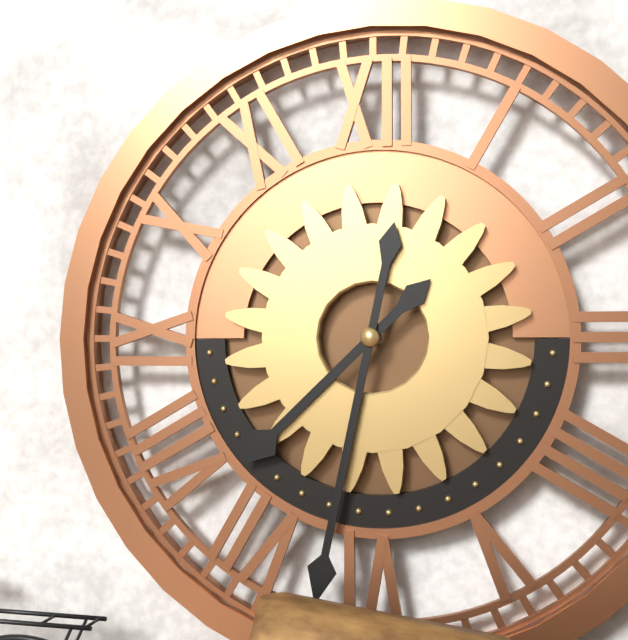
7:32
